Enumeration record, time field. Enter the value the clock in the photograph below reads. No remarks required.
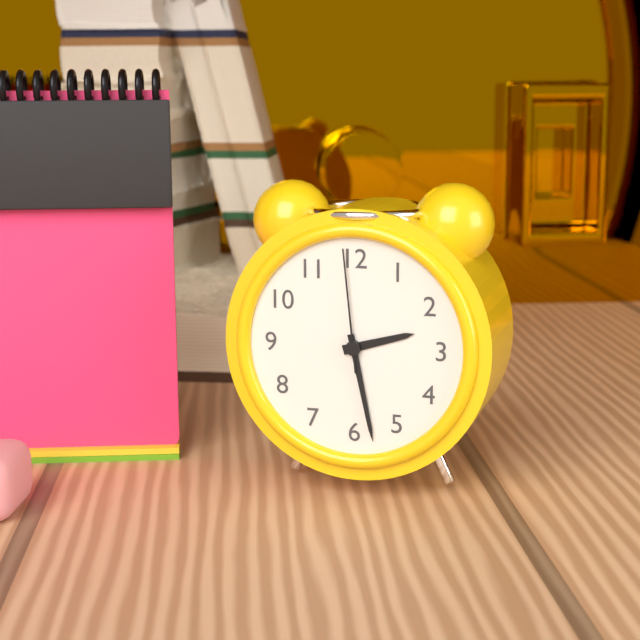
2:28:59
